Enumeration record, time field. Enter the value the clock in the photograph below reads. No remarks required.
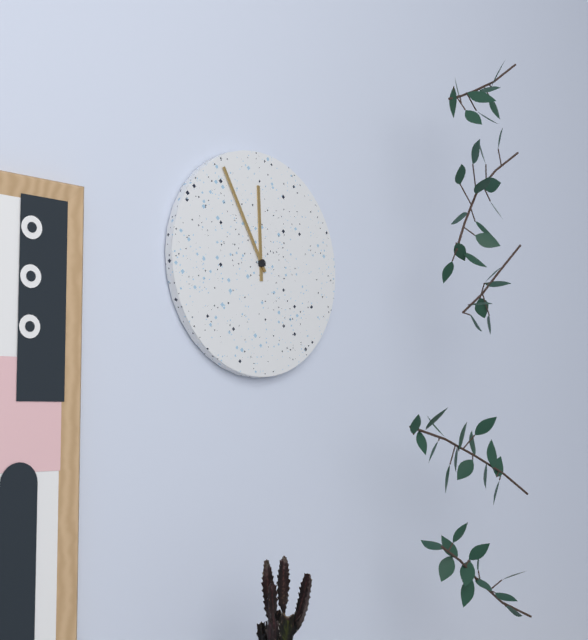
11:55
